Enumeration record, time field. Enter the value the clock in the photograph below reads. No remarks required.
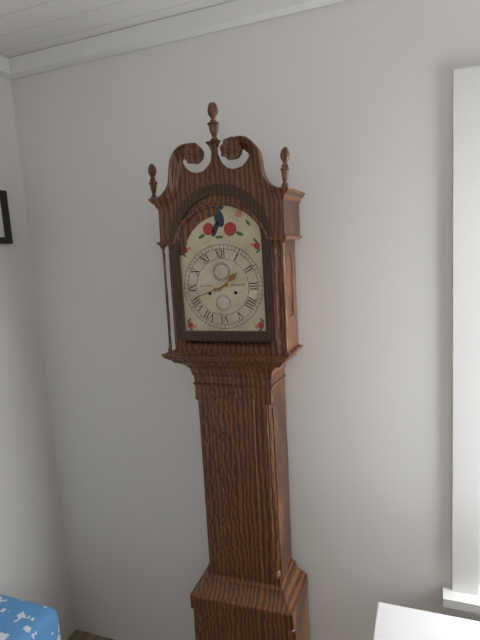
1:42
